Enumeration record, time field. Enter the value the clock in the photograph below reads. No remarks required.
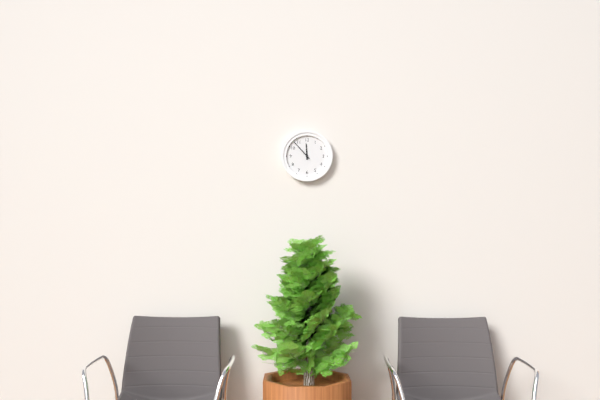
11:53
